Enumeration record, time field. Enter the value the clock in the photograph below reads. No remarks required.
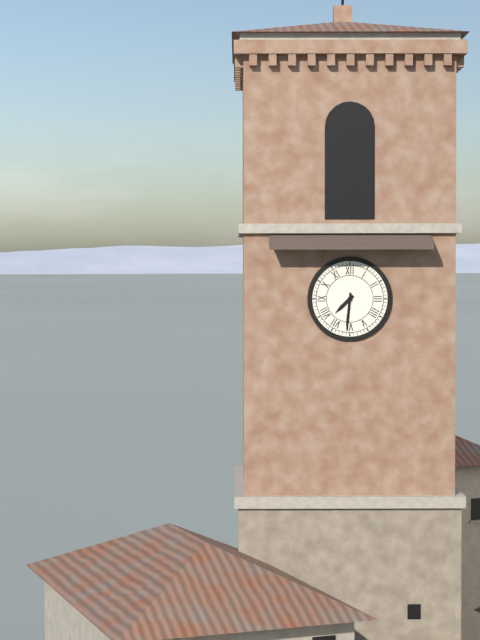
7:31
